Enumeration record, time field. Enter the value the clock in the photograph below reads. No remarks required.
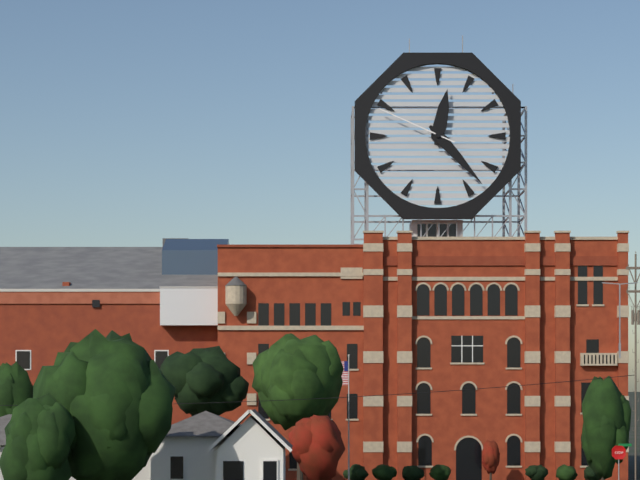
12:23:49
